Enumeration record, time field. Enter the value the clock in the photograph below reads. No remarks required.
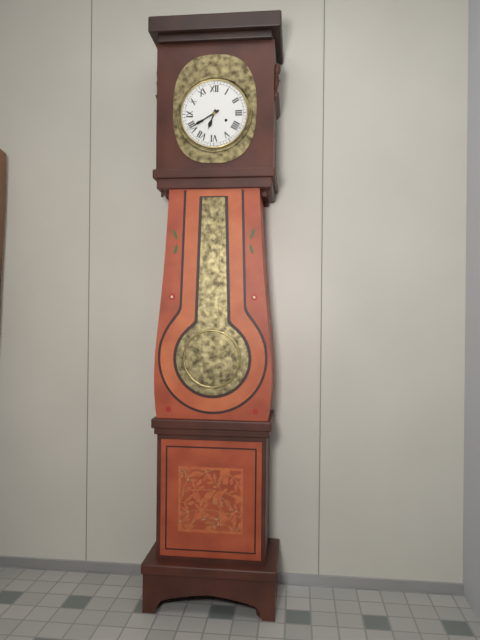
6:40
